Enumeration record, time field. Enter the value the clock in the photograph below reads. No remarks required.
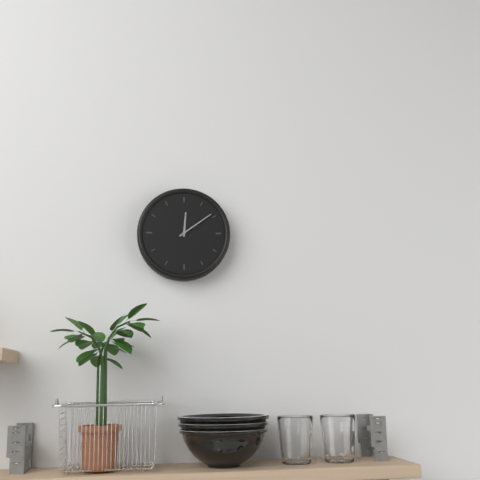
12:09
